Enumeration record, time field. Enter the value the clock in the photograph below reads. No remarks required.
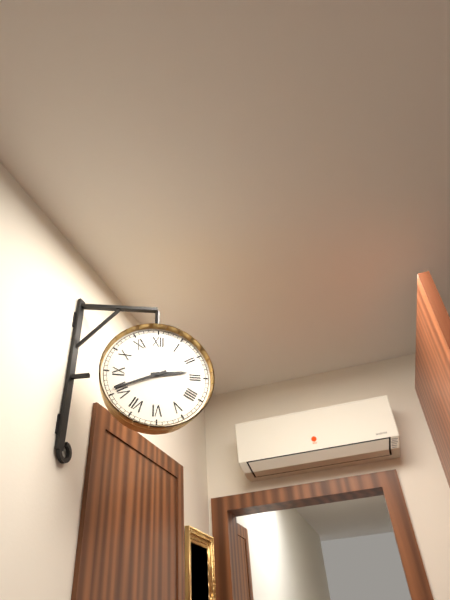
2:41
